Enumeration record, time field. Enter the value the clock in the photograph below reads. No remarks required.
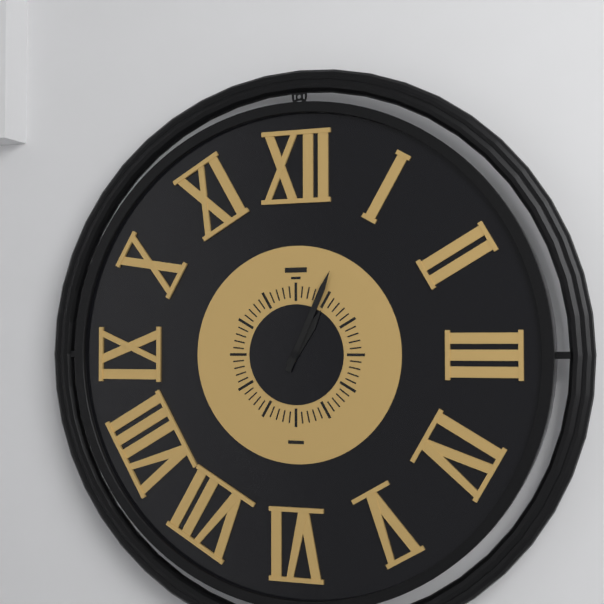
1:04
